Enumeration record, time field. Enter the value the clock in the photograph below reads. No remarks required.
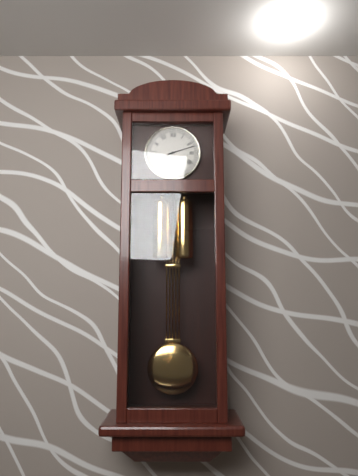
8:12
